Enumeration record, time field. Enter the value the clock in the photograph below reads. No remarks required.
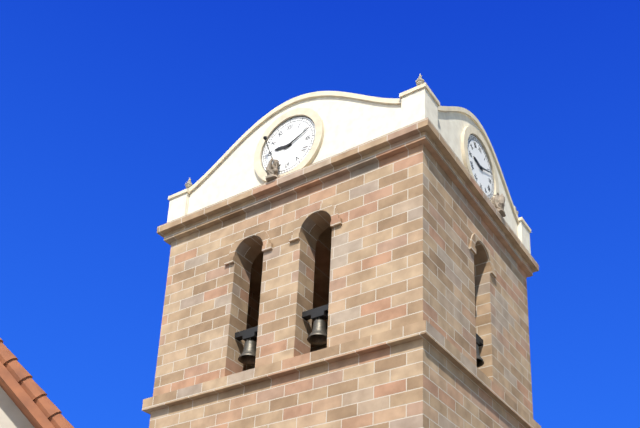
9:11
